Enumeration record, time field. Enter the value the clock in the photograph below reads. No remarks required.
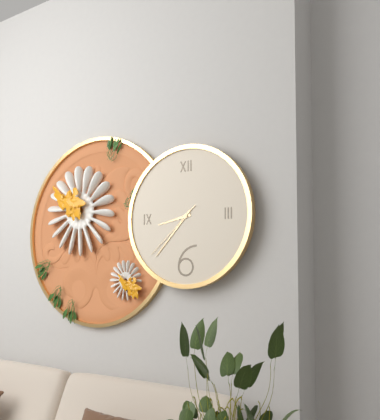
8:37:38
